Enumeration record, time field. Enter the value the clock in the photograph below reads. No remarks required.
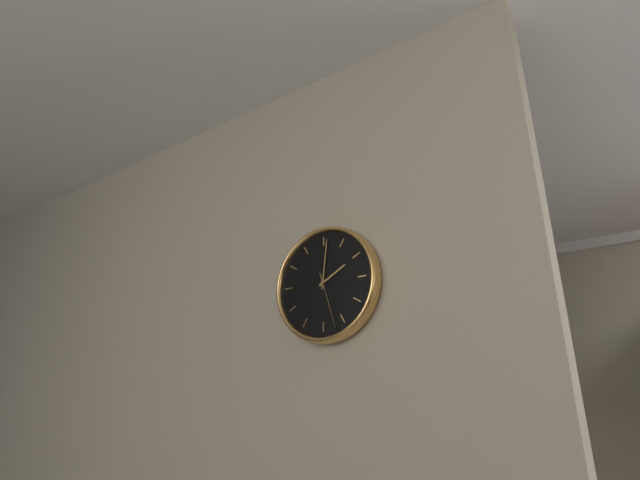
2:01:27
